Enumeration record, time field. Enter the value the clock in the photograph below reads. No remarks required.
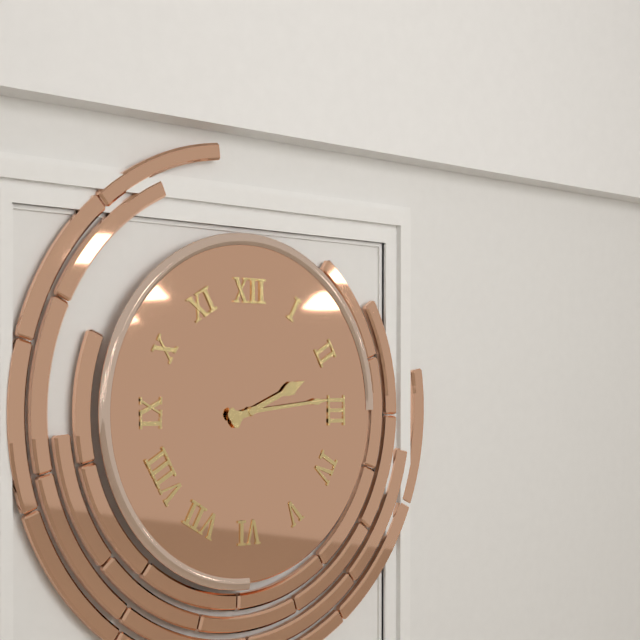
2:14
